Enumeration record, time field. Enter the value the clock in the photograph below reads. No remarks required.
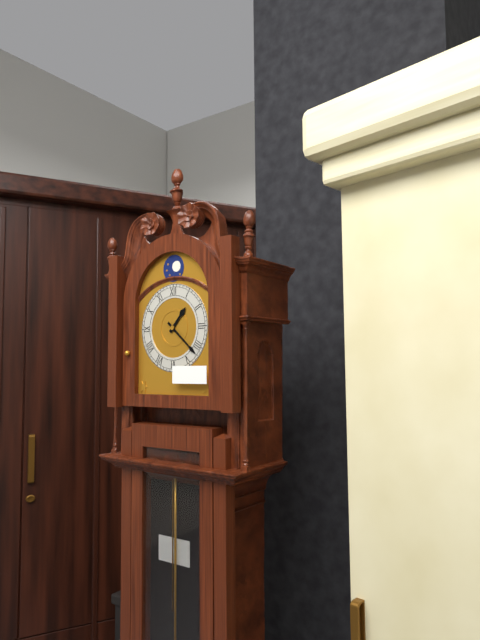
1:22
